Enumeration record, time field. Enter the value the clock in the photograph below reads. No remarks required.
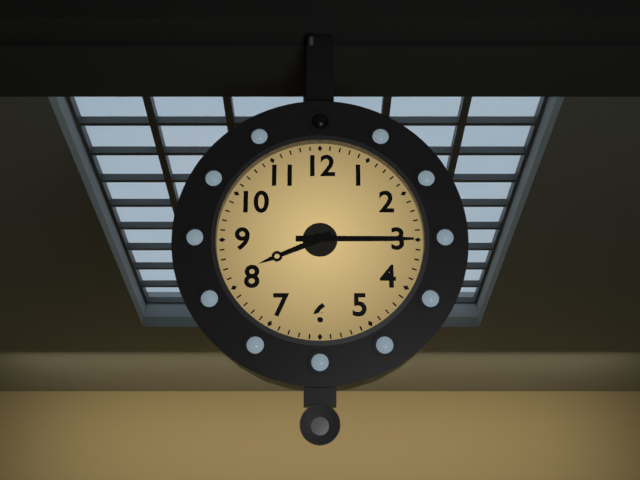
8:15
